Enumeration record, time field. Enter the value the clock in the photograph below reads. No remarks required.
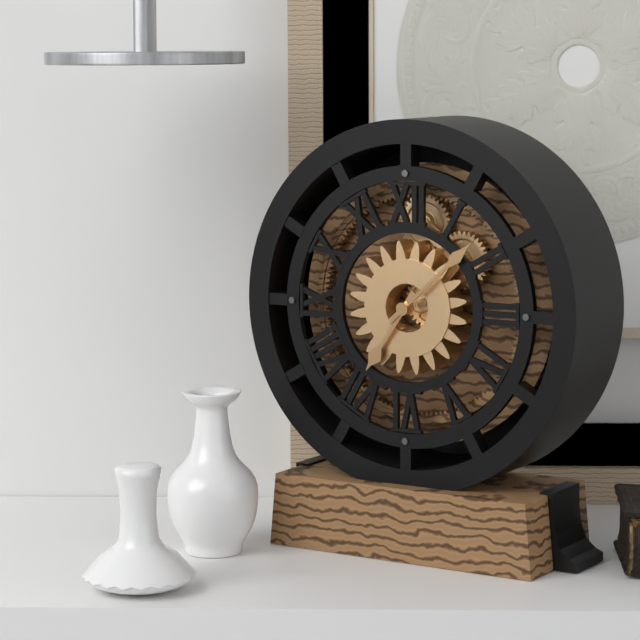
7:08
